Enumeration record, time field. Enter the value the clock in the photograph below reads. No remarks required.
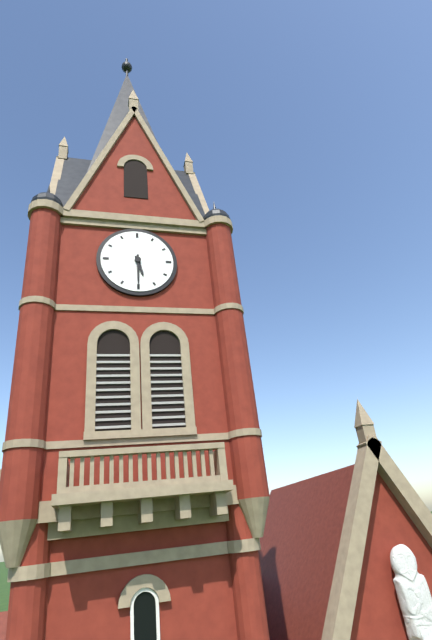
5:30
